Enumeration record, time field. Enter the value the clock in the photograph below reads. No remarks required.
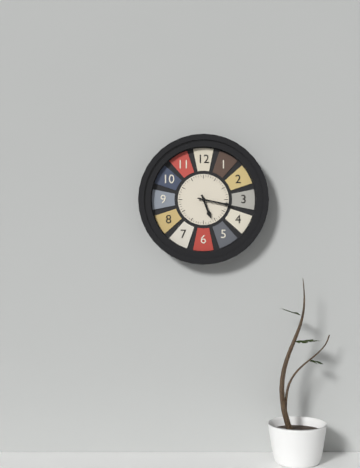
5:17
